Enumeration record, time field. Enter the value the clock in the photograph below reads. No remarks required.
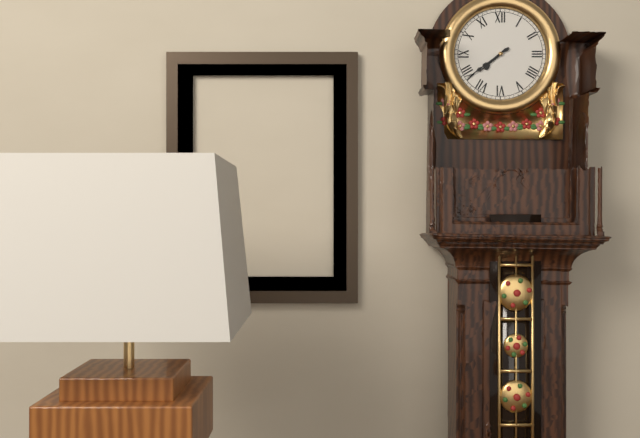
7:39
